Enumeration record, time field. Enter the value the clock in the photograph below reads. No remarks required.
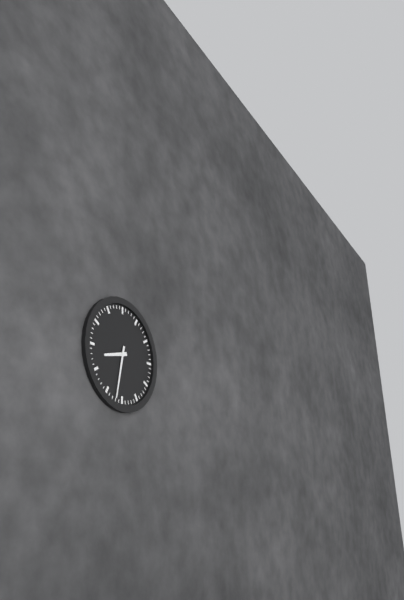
8:32
